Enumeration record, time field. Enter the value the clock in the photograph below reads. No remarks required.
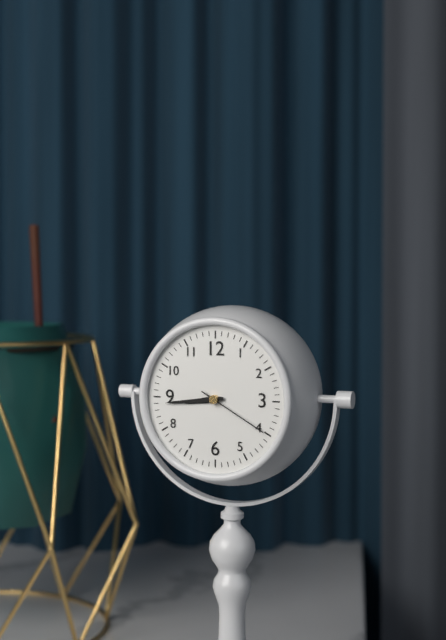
8:44:20
